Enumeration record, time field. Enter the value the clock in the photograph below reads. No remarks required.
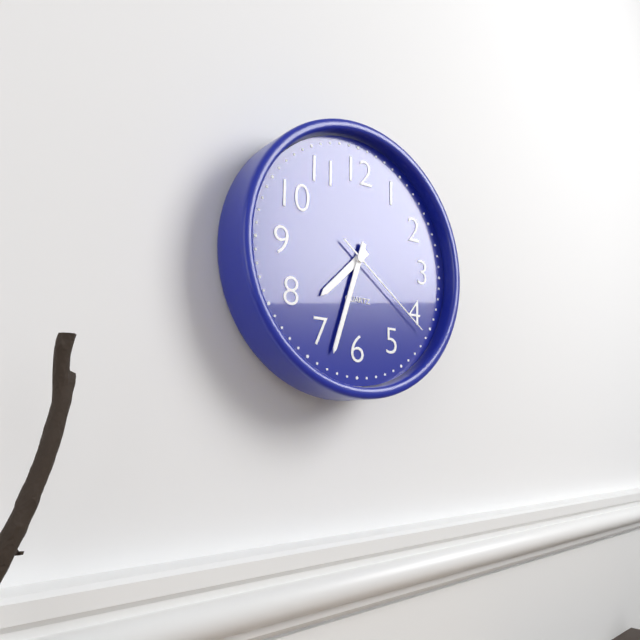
7:33:21
